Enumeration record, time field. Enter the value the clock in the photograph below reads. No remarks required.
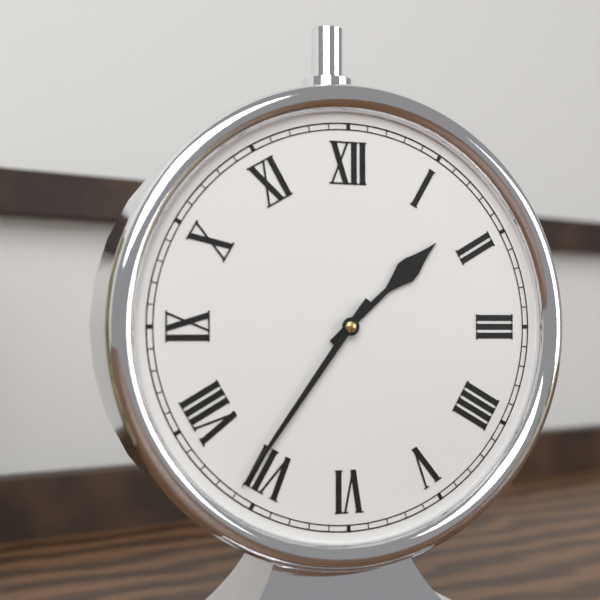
1:36
